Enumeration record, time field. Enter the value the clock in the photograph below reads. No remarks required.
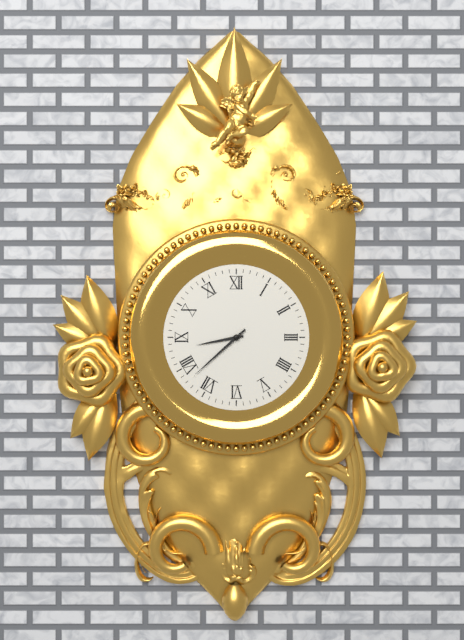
8:38
